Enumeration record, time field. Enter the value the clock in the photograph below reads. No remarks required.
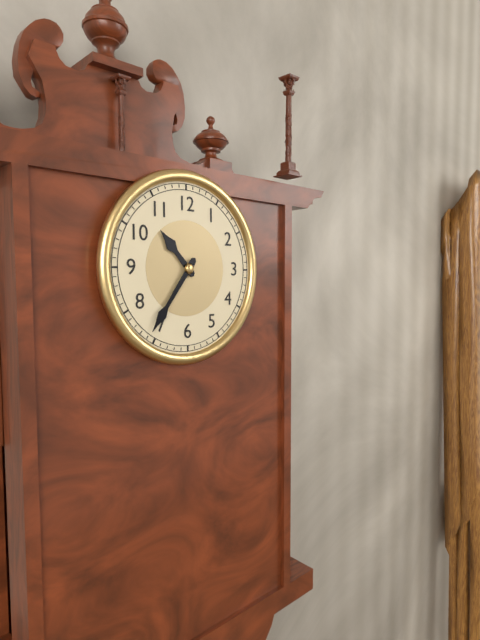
10:36
